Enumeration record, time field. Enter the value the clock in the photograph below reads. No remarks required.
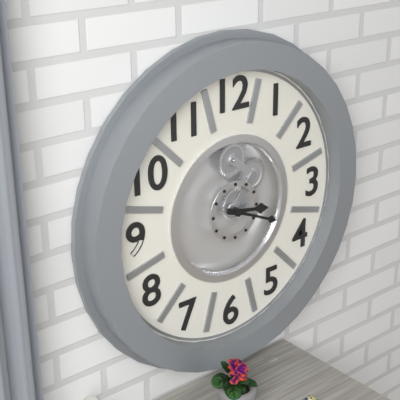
3:19
